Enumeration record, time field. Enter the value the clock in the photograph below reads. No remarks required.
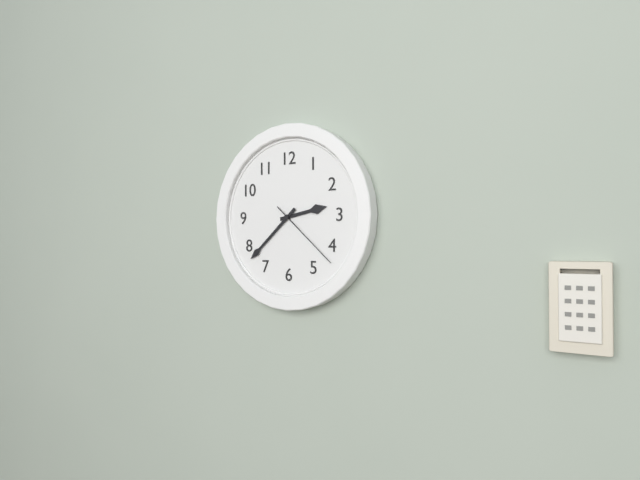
2:38:22
